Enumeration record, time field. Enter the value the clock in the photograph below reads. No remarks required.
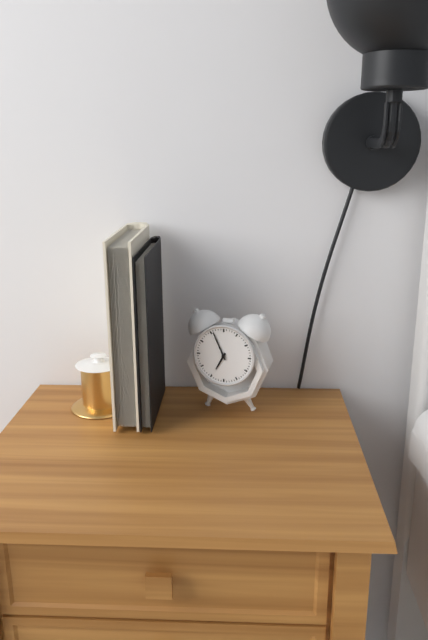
6:56
